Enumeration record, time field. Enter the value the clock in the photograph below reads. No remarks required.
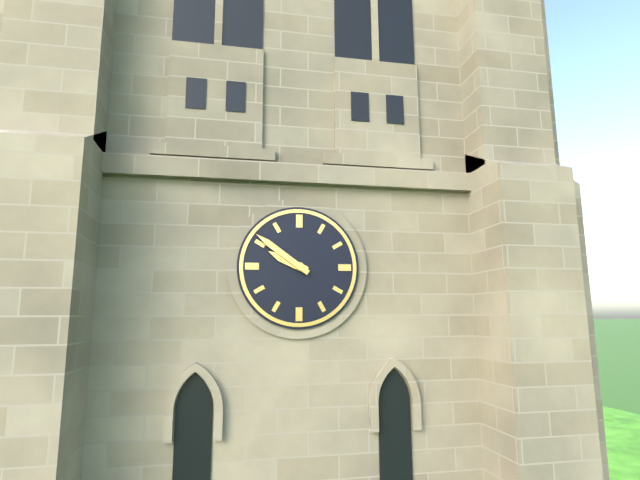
9:51
